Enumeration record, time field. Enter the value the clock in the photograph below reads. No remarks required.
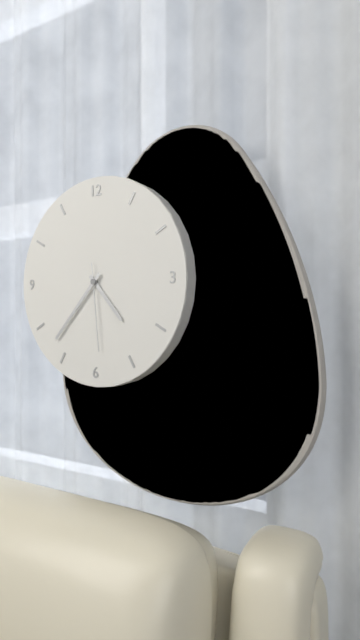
4:37:29
